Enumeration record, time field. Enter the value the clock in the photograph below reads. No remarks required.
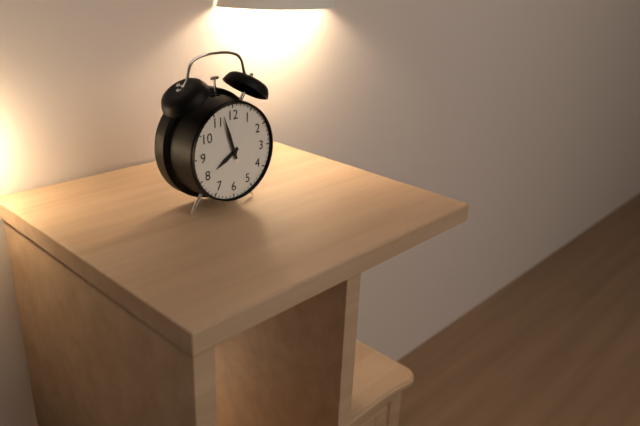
7:57
